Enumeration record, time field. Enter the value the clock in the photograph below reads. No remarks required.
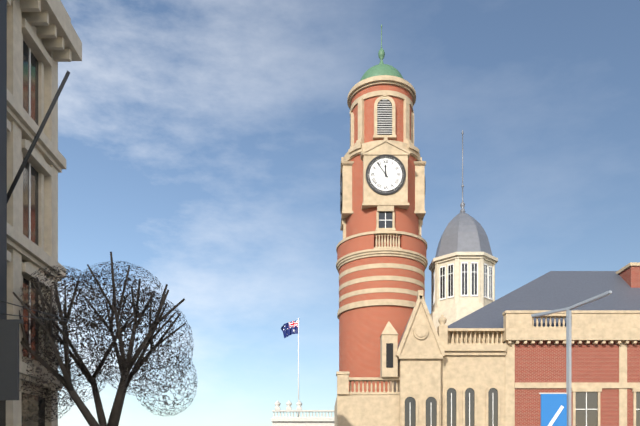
11:54
